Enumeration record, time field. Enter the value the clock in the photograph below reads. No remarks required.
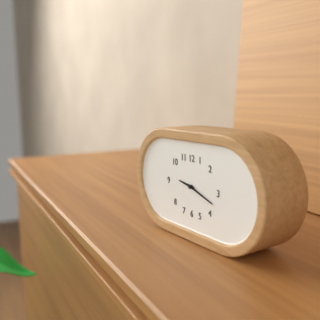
9:18
